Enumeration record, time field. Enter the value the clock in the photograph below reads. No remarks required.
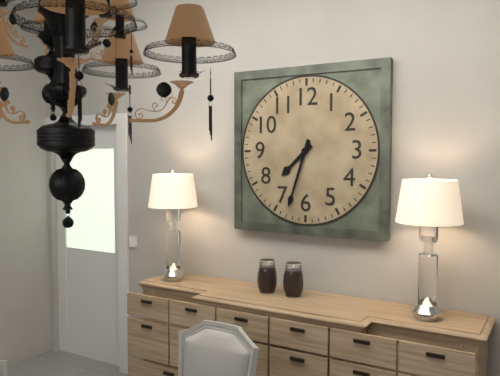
7:33
